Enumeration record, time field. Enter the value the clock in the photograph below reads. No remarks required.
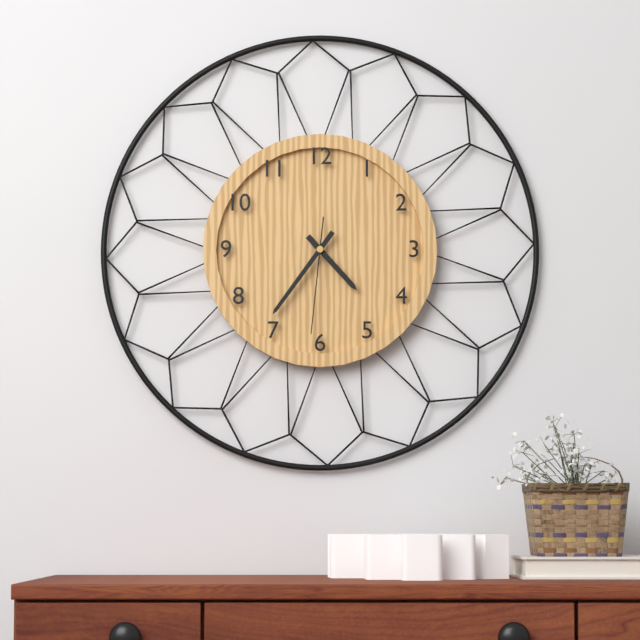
4:36:31
